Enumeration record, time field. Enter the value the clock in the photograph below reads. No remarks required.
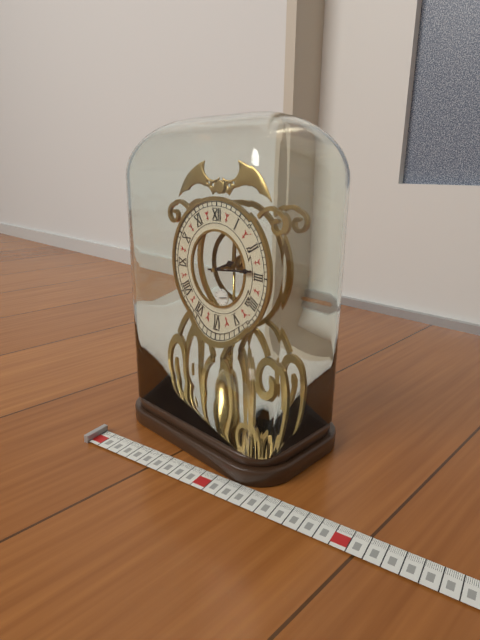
2:14
